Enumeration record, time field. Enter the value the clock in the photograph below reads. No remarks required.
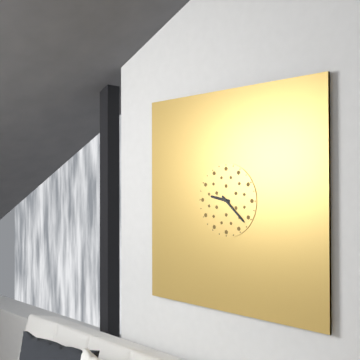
9:22
